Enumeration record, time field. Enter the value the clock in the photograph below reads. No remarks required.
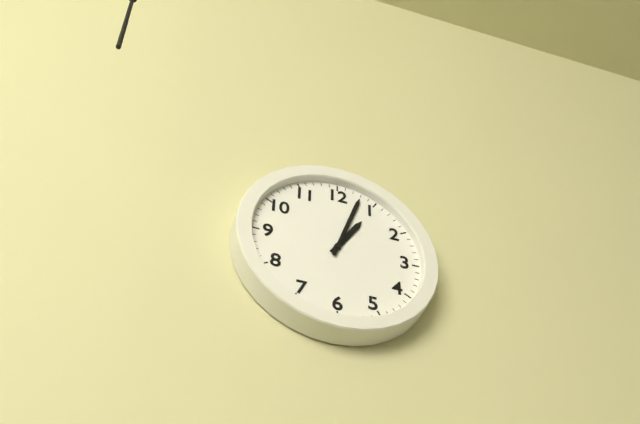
1:03
